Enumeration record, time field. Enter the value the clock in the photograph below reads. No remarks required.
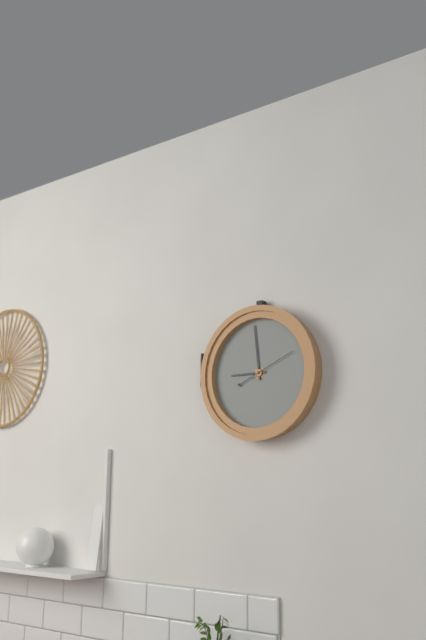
8:59:11
